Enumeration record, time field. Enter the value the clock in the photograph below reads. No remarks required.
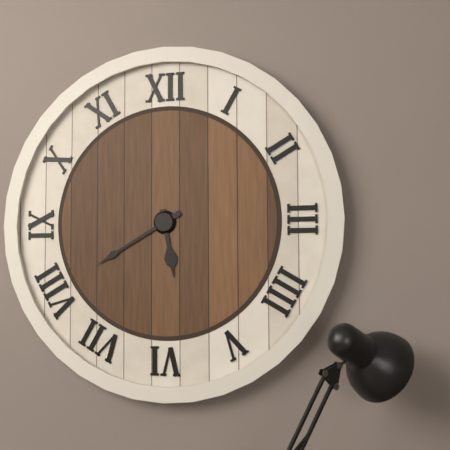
5:40
